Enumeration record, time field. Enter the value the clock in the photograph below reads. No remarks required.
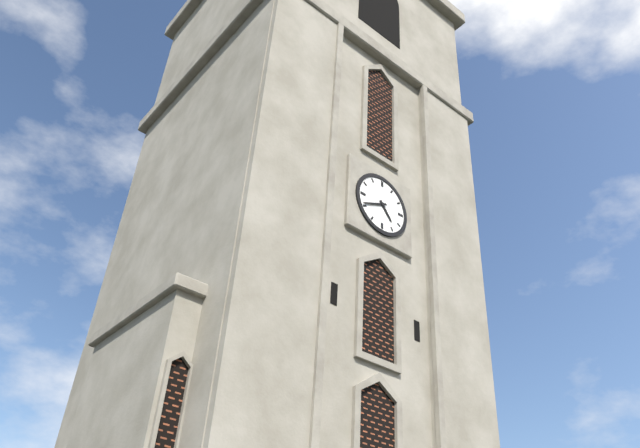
4:41
